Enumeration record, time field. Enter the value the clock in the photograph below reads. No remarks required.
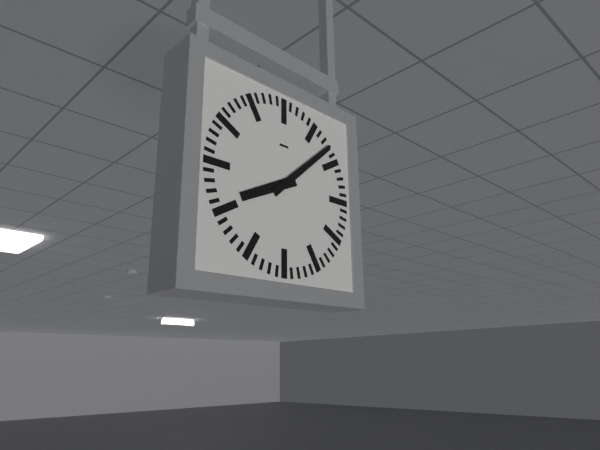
8:08
